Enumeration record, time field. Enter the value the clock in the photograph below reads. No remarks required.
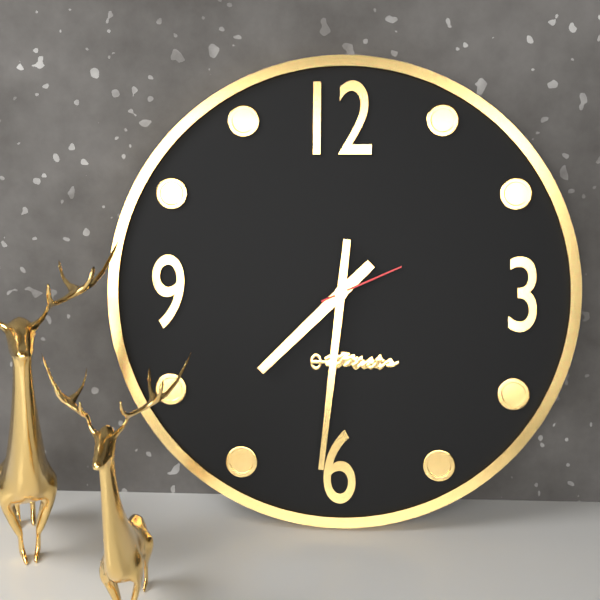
7:31:11
